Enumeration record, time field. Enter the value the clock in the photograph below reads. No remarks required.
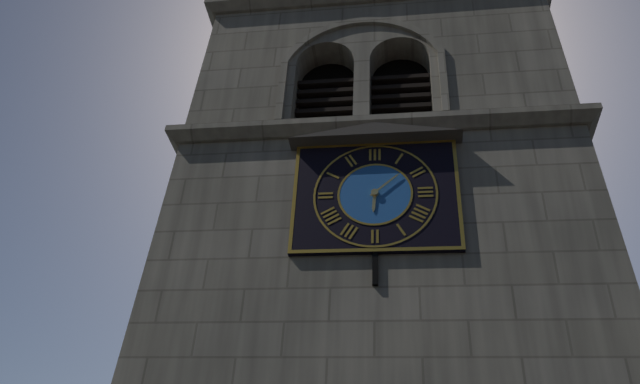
6:08
